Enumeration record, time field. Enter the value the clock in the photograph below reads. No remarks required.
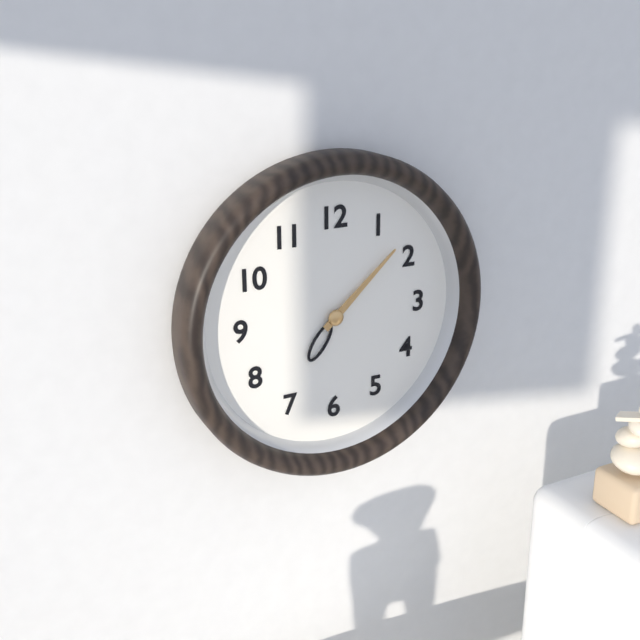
7:08
